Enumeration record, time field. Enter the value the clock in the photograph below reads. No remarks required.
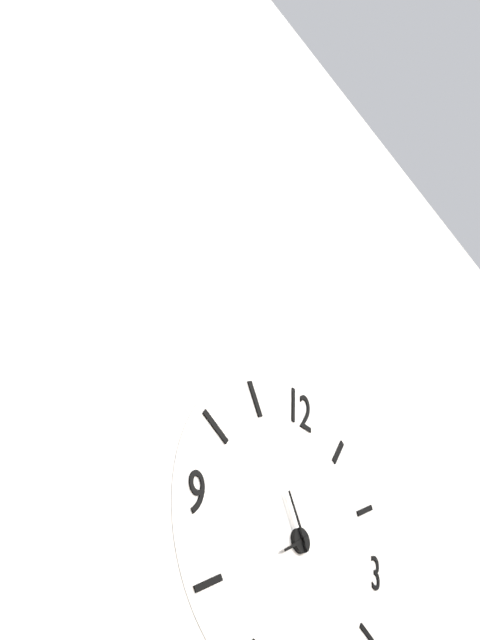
7:55
